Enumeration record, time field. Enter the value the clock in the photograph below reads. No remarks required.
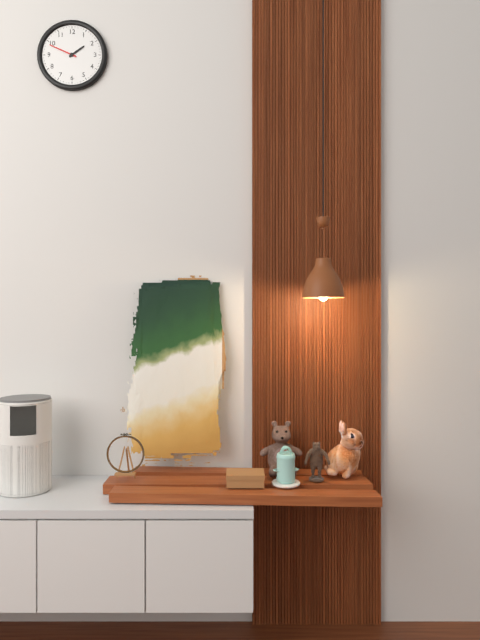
1:49
